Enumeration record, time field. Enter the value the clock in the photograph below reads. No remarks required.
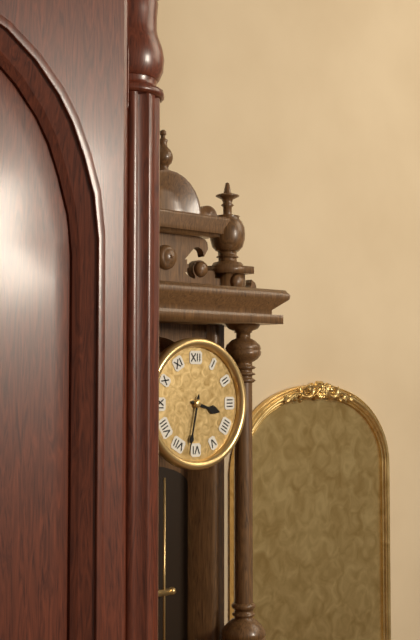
3:32
